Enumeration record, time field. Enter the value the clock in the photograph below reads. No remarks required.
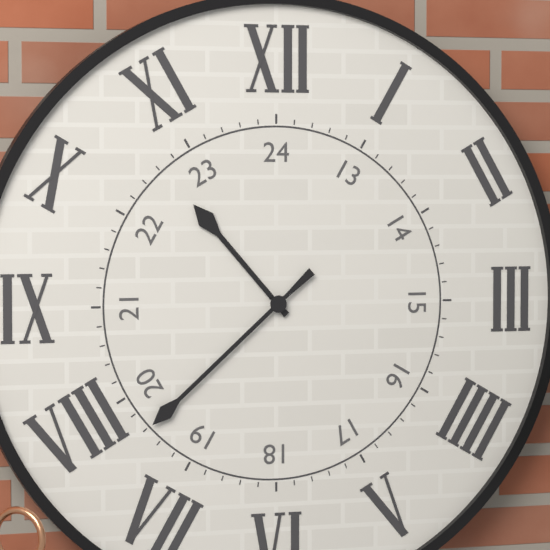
10:38
